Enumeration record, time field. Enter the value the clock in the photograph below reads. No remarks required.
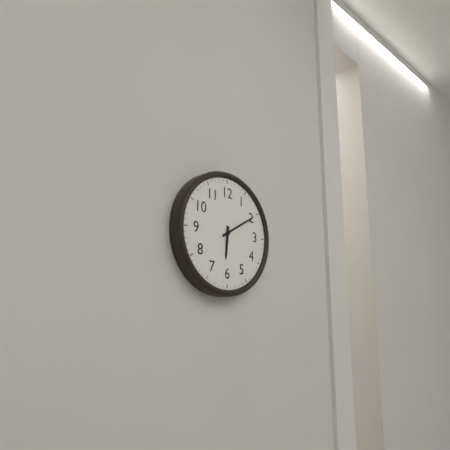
6:10
